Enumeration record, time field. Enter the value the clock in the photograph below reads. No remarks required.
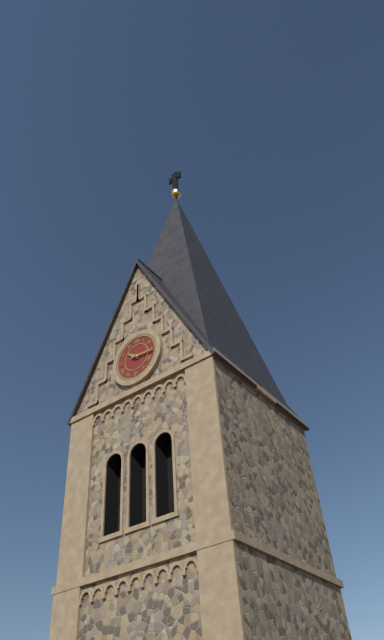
10:16
